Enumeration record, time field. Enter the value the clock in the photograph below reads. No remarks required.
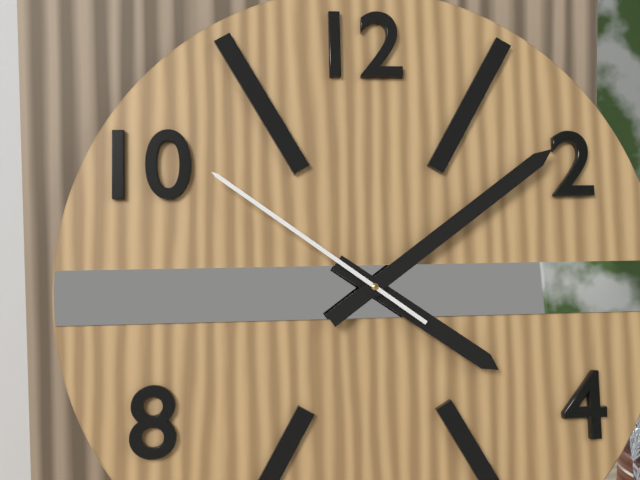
4:09:51
